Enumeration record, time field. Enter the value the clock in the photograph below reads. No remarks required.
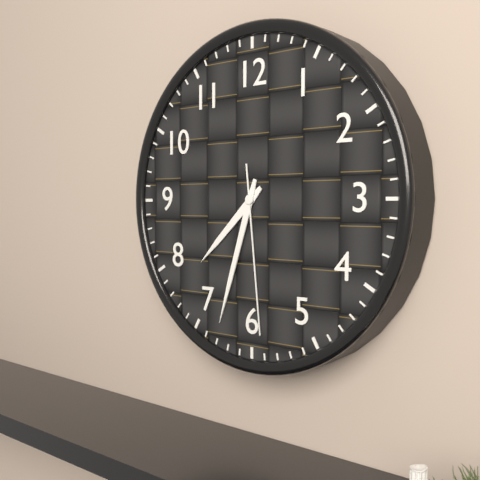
7:33:29
